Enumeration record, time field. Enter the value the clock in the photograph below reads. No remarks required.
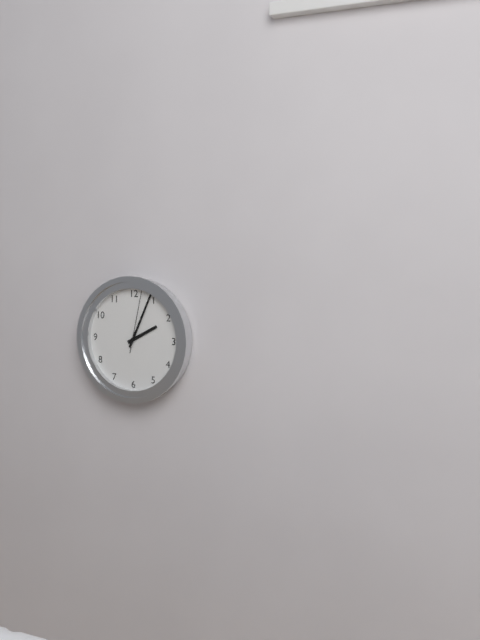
2:04:02
